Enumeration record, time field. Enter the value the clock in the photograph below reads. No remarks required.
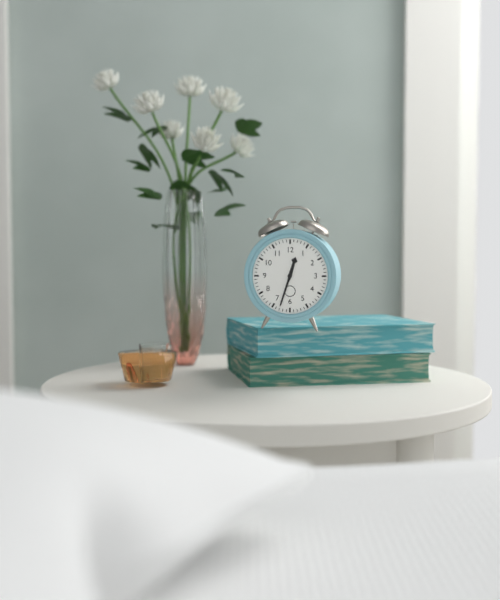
12:33
